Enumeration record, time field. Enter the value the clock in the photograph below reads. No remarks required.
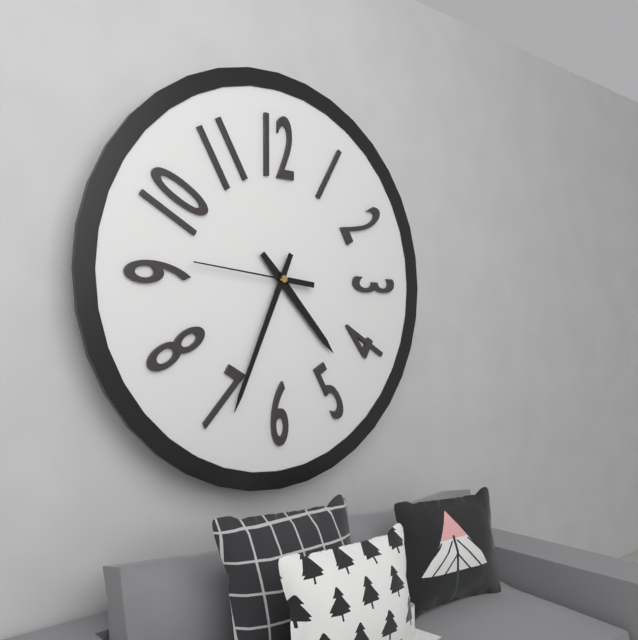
4:34:46
